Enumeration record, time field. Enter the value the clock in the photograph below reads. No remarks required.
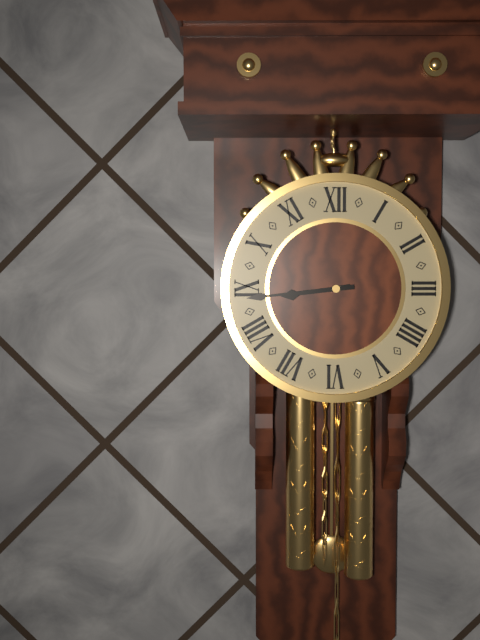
8:44
